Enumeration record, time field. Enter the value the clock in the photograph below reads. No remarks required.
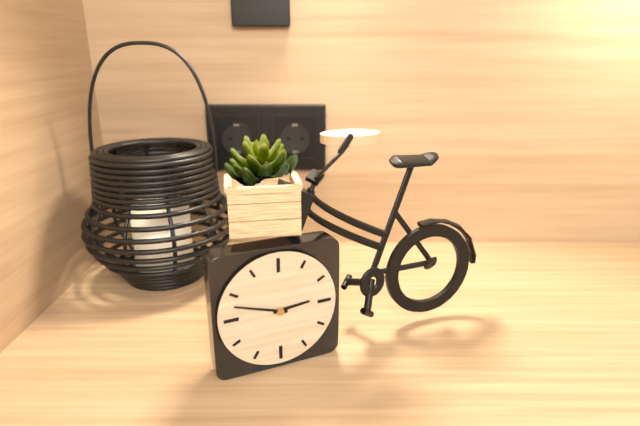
2:48
